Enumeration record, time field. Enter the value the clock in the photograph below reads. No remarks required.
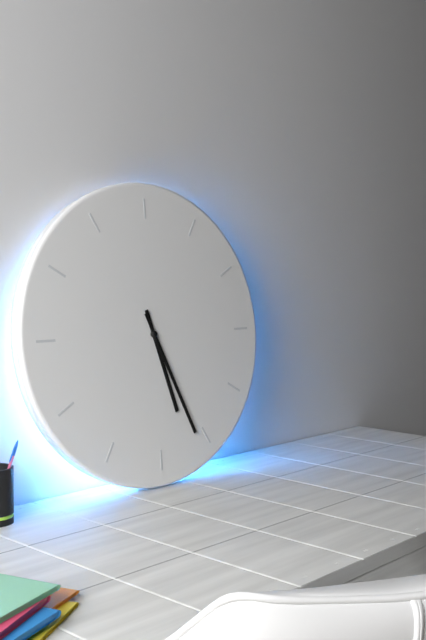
5:26
